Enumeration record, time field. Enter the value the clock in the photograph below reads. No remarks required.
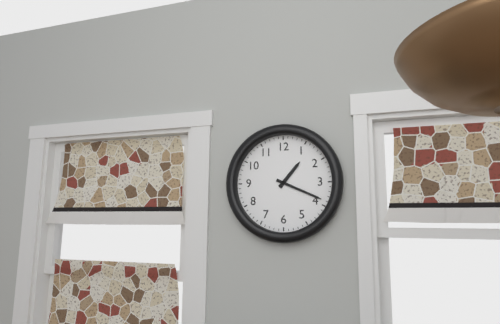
1:19
